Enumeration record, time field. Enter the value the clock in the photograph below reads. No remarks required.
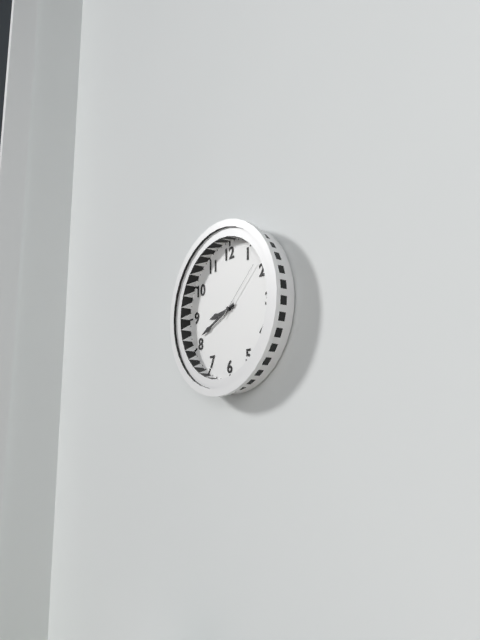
8:41:08
